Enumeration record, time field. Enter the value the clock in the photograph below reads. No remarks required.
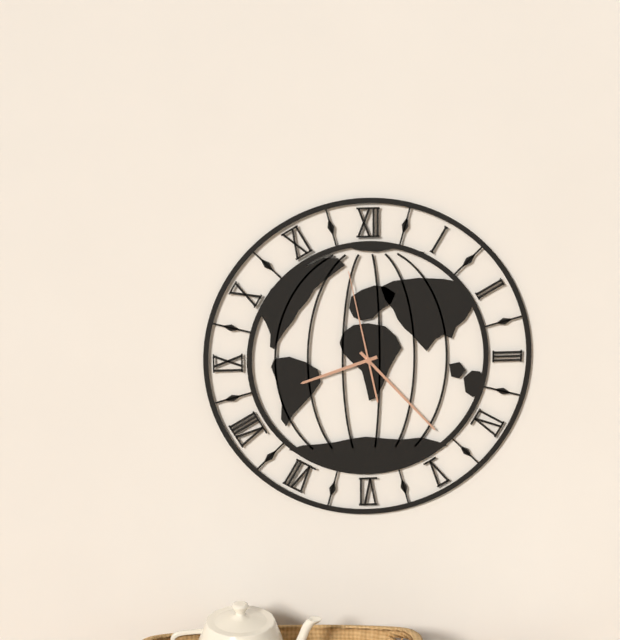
8:23:58
